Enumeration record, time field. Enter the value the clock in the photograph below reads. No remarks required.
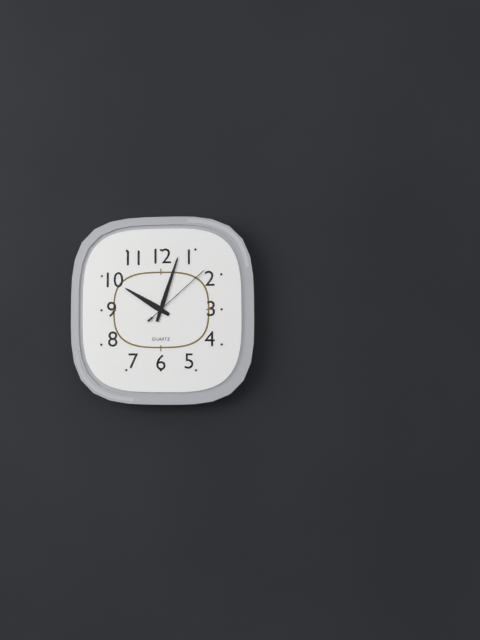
10:03:08
